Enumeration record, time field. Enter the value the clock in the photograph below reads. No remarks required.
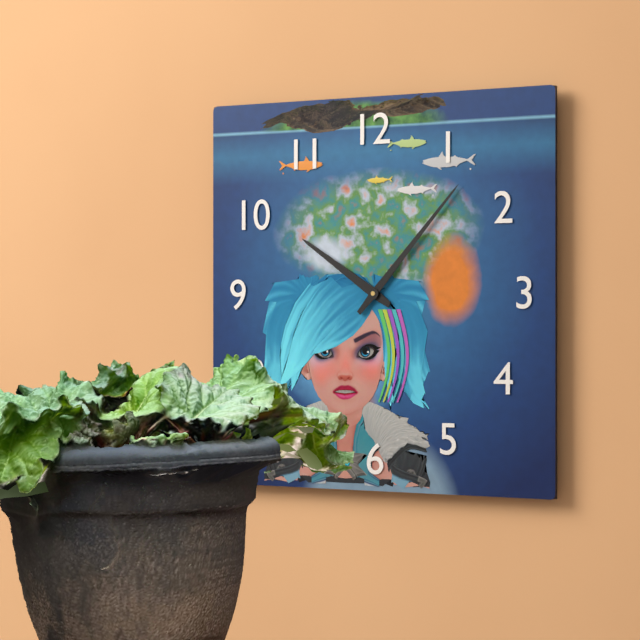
10:07
